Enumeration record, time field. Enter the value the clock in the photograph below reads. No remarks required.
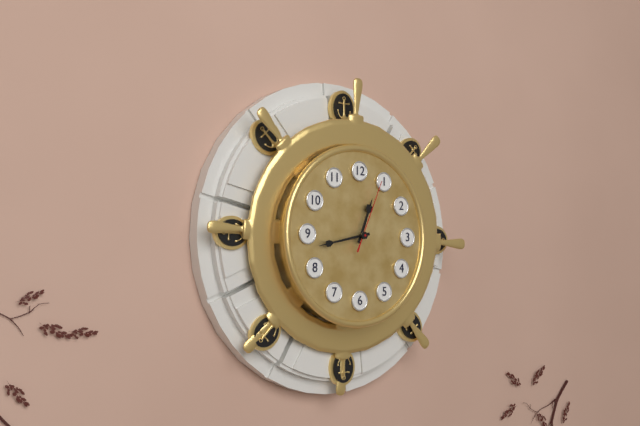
12:43:04
